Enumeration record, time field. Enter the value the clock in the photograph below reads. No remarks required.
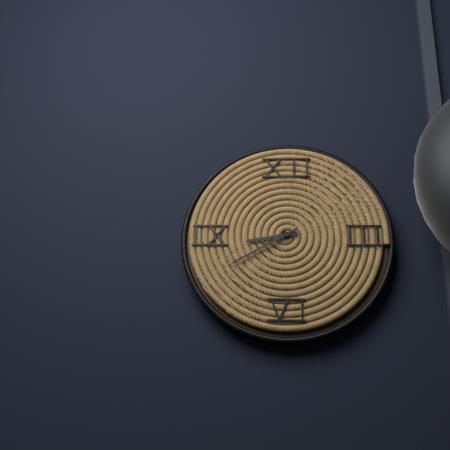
8:40
